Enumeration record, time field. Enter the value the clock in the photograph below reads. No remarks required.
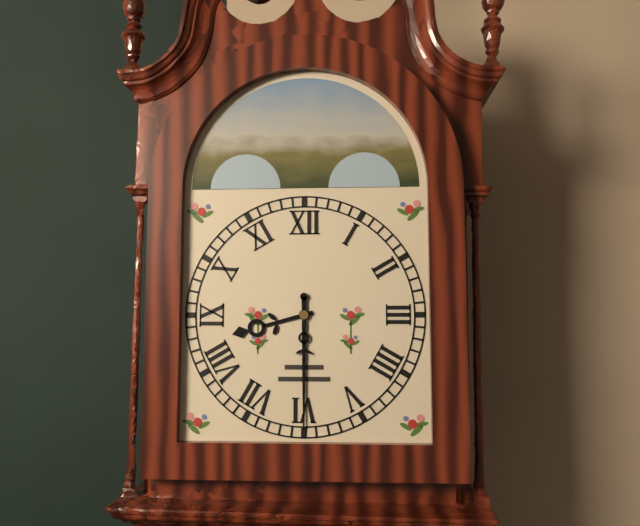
8:30
